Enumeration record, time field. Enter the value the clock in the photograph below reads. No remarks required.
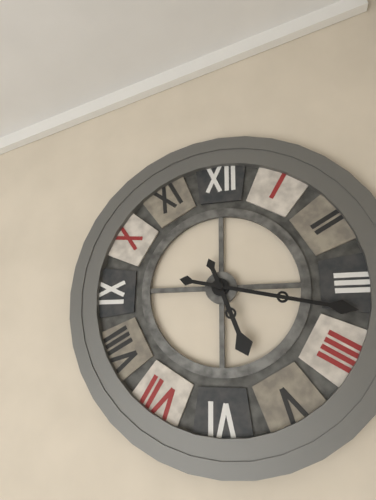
5:17
